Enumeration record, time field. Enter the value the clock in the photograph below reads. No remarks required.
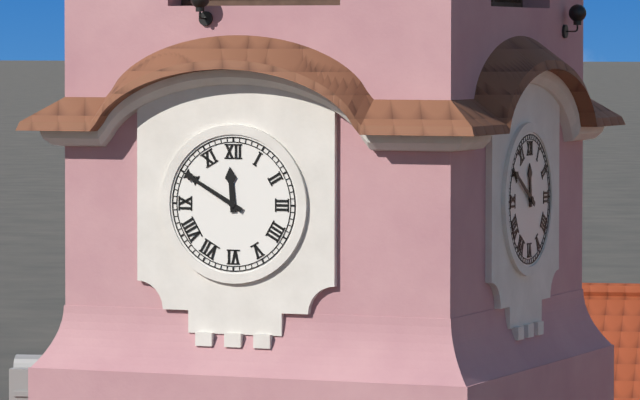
11:50
